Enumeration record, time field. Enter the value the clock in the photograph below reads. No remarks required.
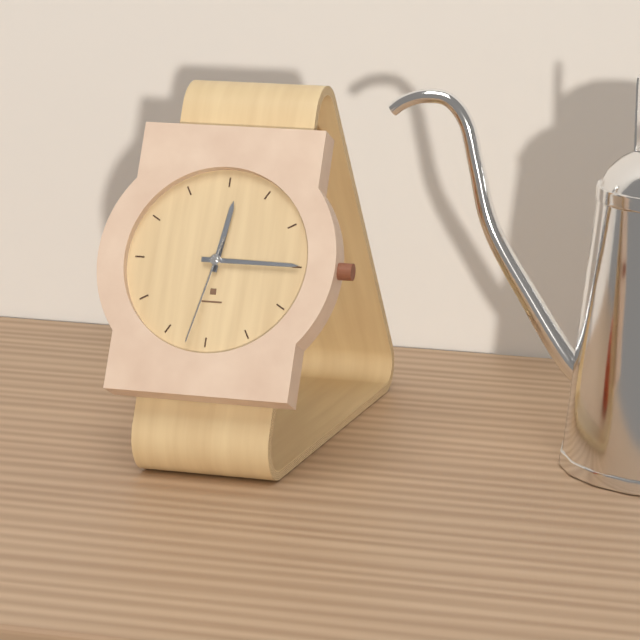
12:15:32
